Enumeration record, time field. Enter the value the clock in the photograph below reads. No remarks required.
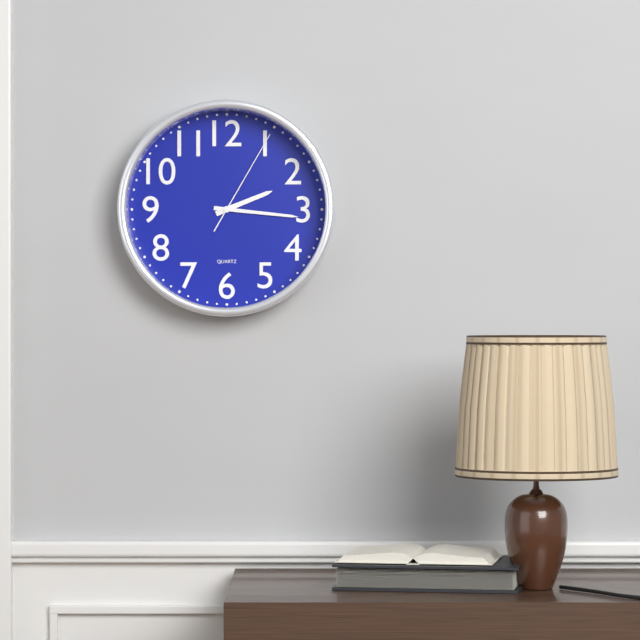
2:16:05
